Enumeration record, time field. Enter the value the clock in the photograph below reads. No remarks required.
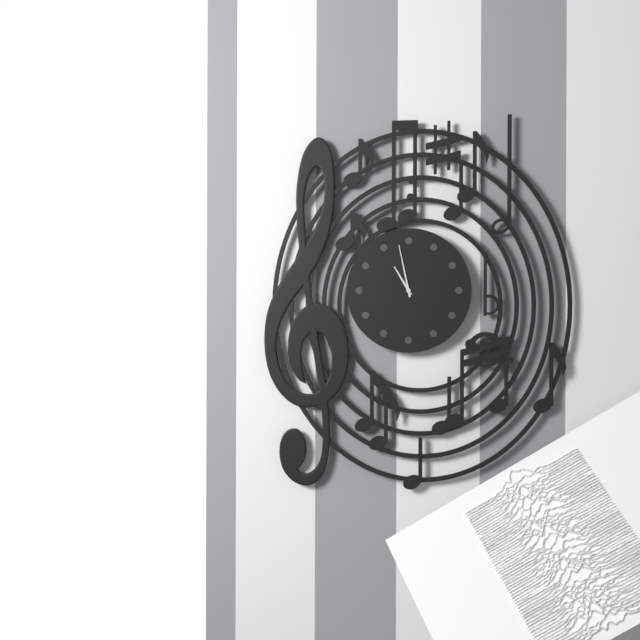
10:58
